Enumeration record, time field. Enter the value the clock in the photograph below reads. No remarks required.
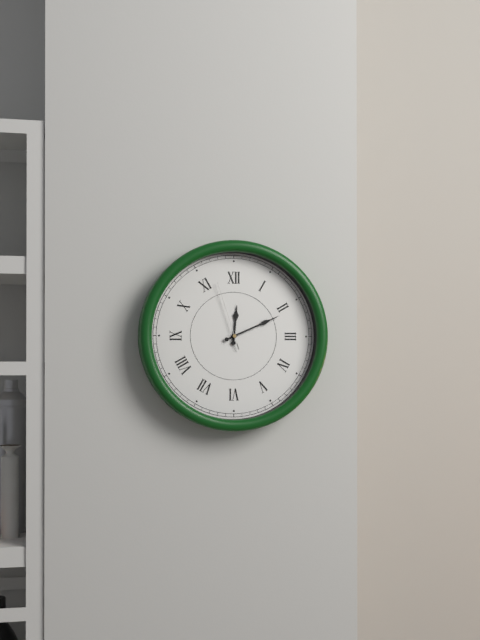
12:11:57
